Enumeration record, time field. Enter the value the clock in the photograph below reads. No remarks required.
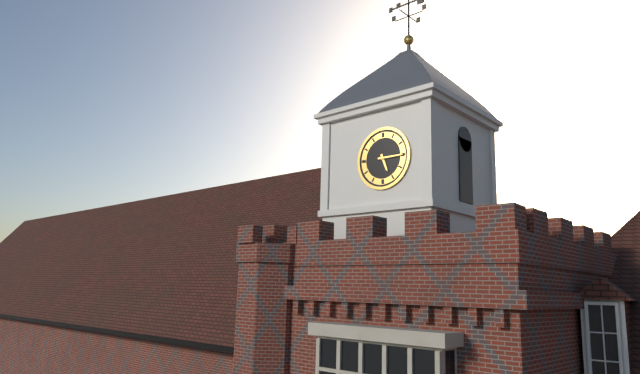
5:15
